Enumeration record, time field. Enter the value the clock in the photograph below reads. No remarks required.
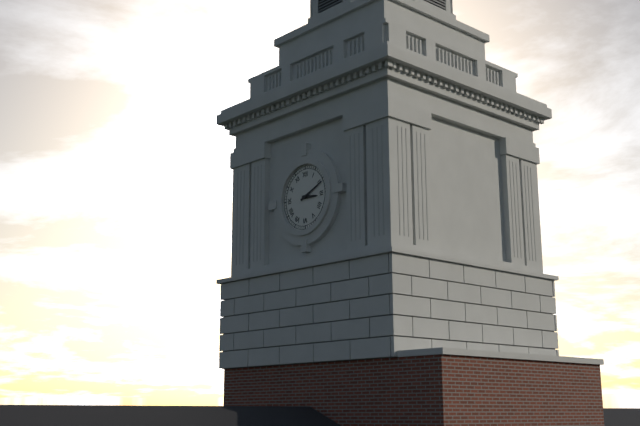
3:11
